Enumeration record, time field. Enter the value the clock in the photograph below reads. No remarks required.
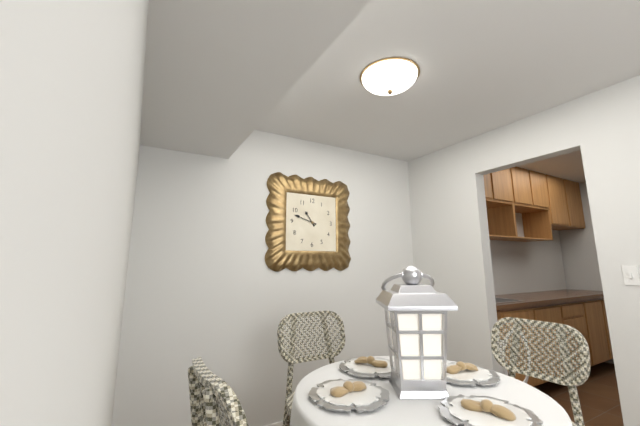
10:48
